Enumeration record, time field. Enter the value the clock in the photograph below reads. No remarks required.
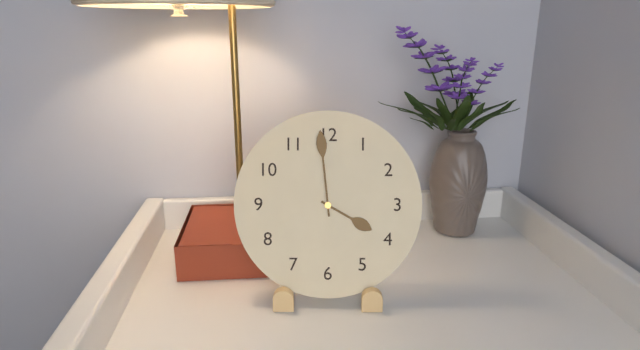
3:59
